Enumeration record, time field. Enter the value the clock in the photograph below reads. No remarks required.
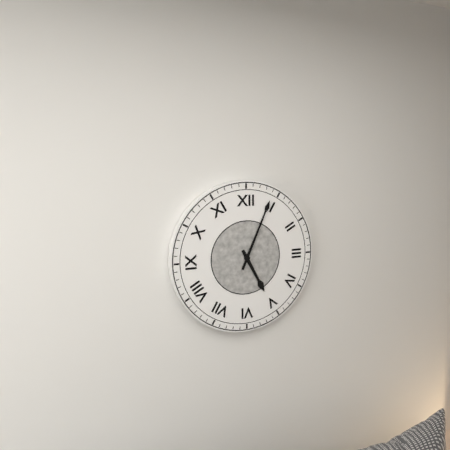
5:04
